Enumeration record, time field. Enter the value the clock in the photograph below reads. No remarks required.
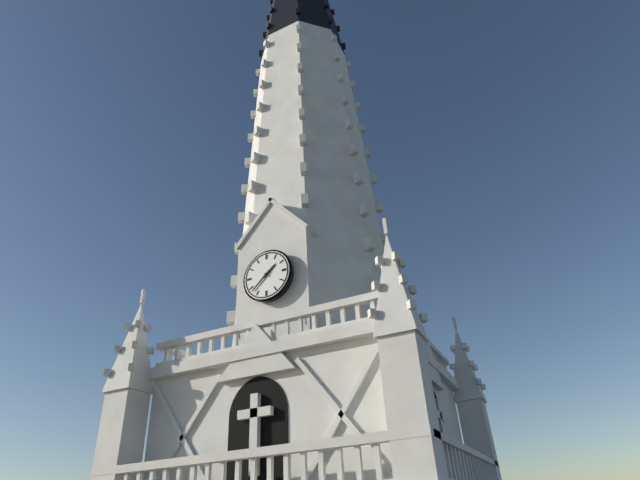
1:38
